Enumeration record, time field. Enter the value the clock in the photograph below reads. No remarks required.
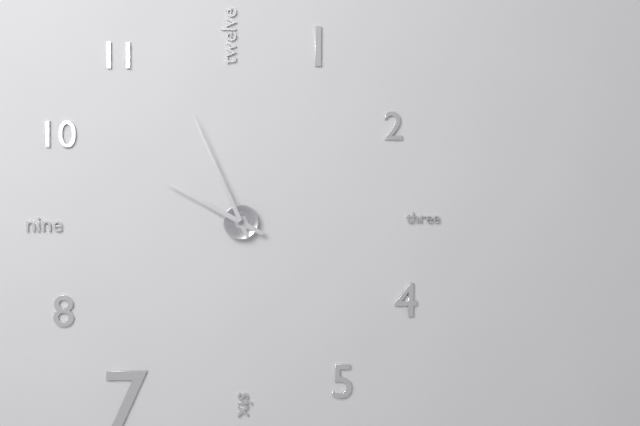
9:56
